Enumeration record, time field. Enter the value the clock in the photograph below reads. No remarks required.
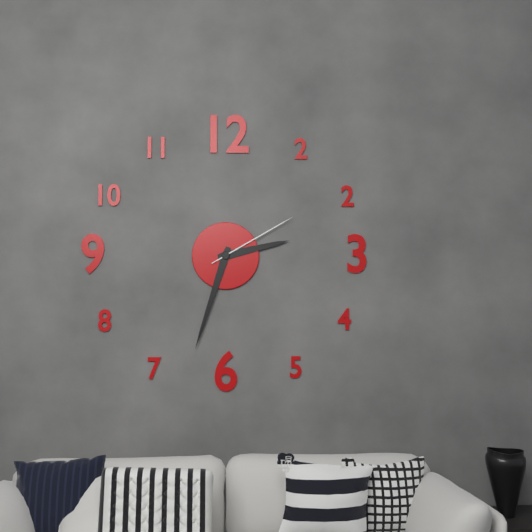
2:33:10
